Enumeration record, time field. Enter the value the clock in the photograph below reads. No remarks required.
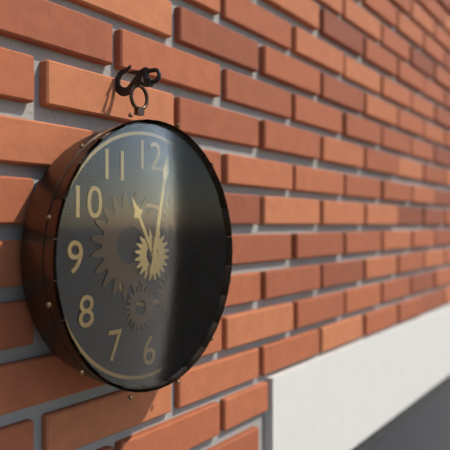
11:02
